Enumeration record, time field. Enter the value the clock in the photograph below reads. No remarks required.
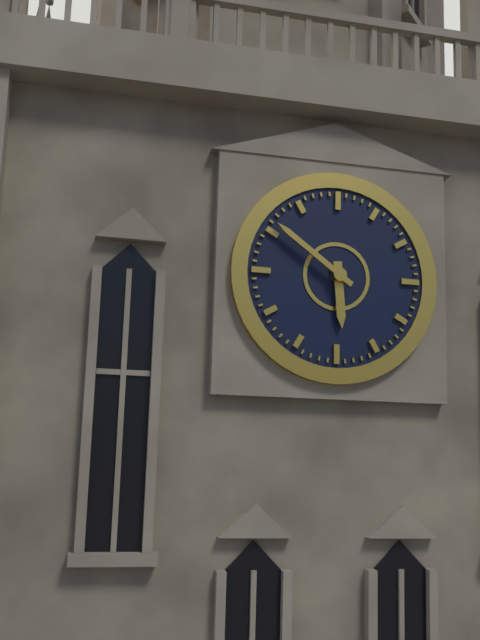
5:51
